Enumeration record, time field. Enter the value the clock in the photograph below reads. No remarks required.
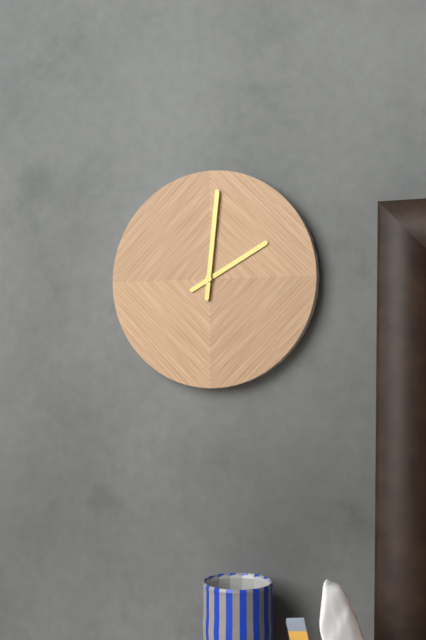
2:01
